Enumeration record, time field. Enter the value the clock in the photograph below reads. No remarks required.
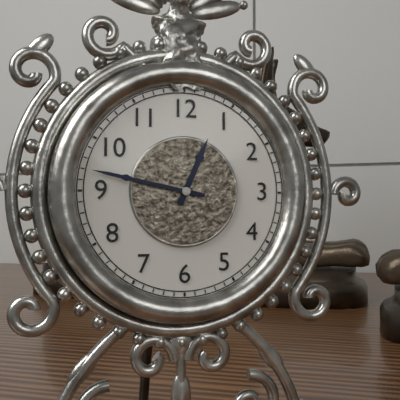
12:47
